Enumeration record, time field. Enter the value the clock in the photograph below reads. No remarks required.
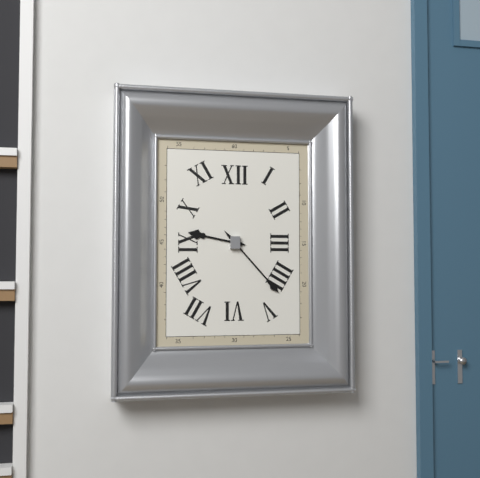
9:23
